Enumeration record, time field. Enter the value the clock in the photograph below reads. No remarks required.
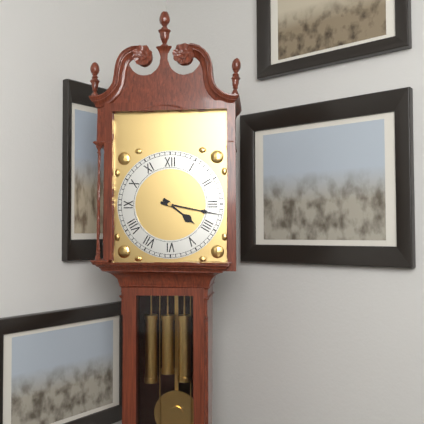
4:17
